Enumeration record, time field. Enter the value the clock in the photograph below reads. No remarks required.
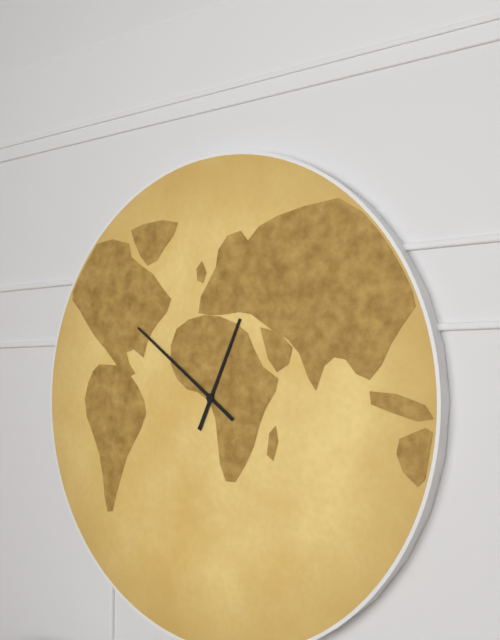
12:51
